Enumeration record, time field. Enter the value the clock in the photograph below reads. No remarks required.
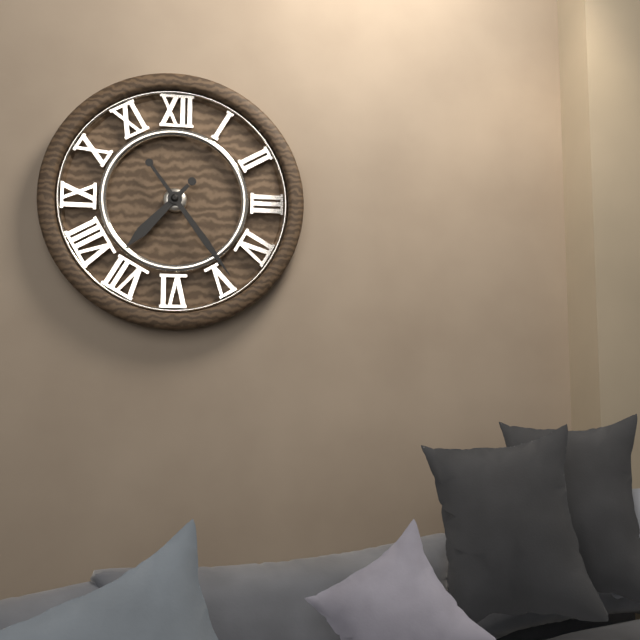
7:24
